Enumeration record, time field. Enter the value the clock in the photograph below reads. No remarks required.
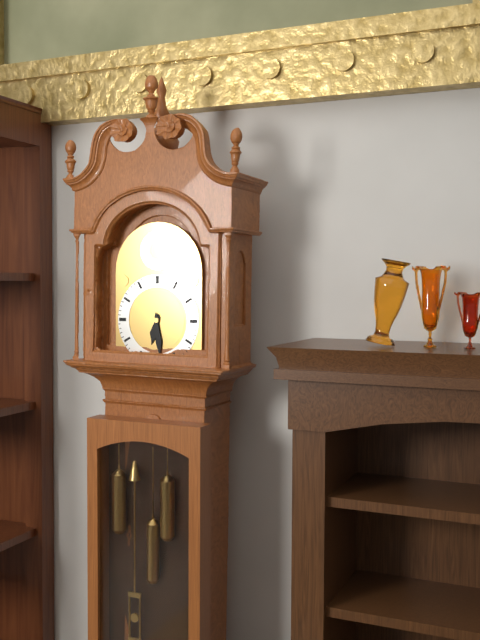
6:29
